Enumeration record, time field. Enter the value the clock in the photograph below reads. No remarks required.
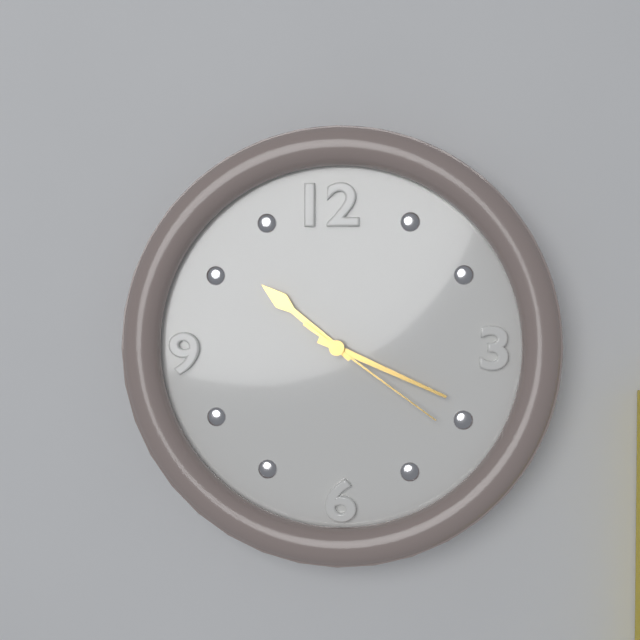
10:19:21
